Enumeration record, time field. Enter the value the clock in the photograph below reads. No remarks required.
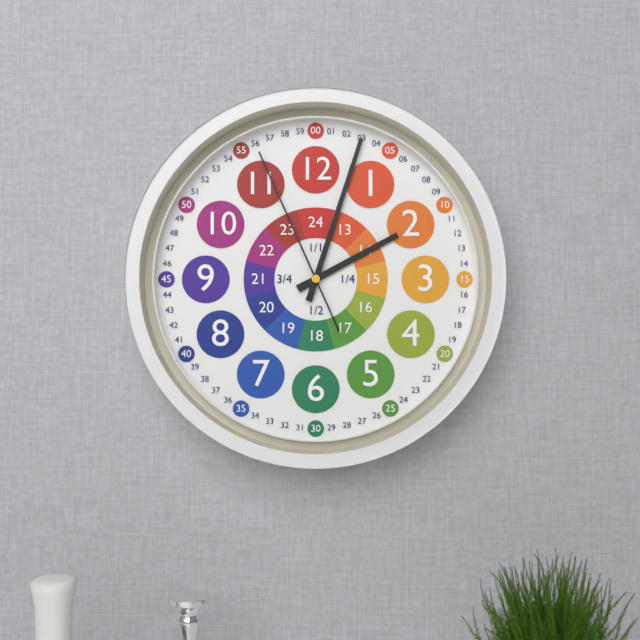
2:03:56
